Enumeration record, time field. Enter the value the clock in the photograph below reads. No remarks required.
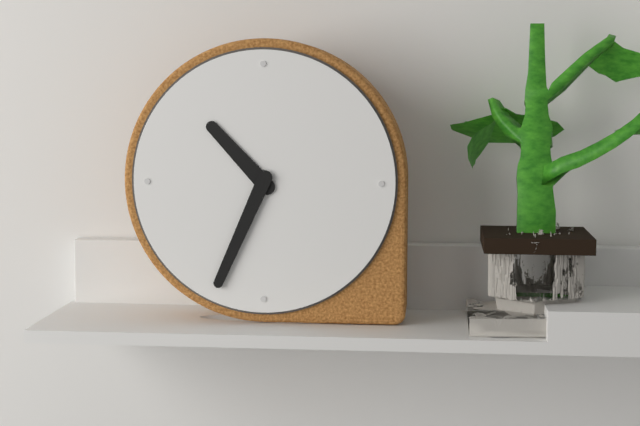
10:34
